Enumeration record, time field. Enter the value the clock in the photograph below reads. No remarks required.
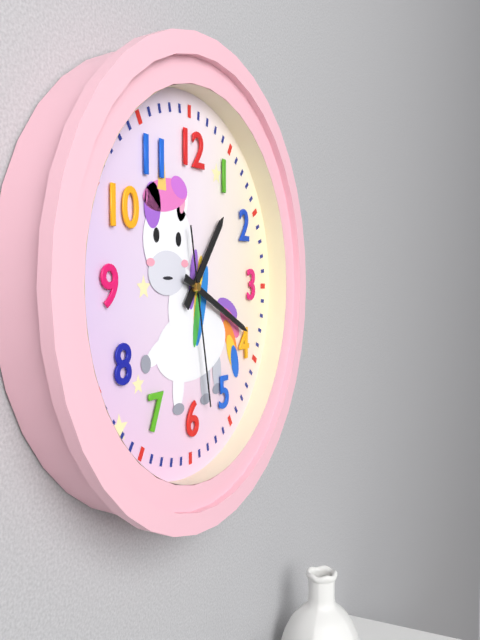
1:19:28
